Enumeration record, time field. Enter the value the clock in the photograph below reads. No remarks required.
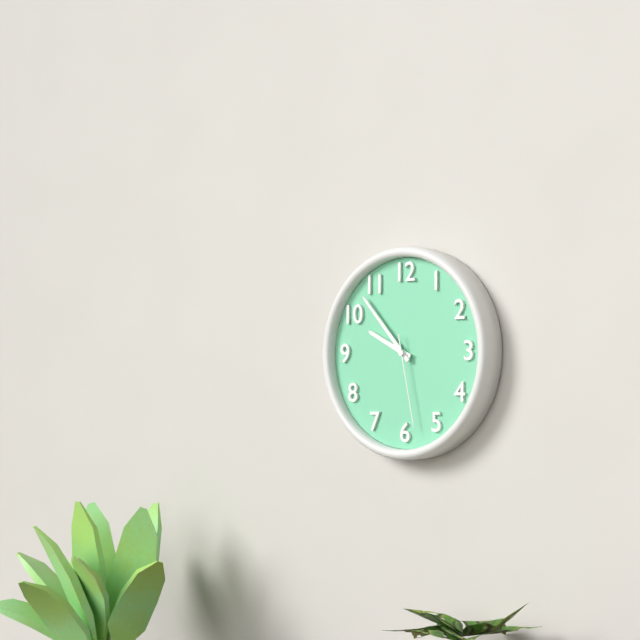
9:53:28
